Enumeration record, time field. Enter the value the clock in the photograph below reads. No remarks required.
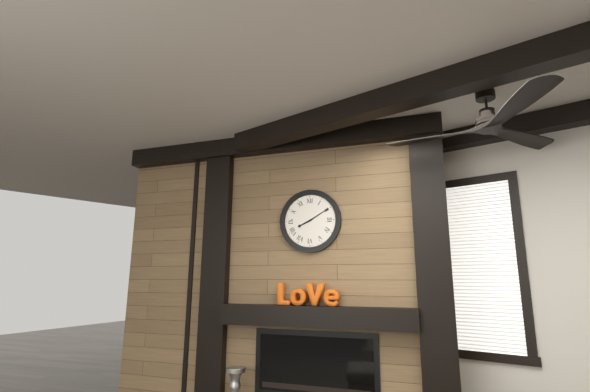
8:10
